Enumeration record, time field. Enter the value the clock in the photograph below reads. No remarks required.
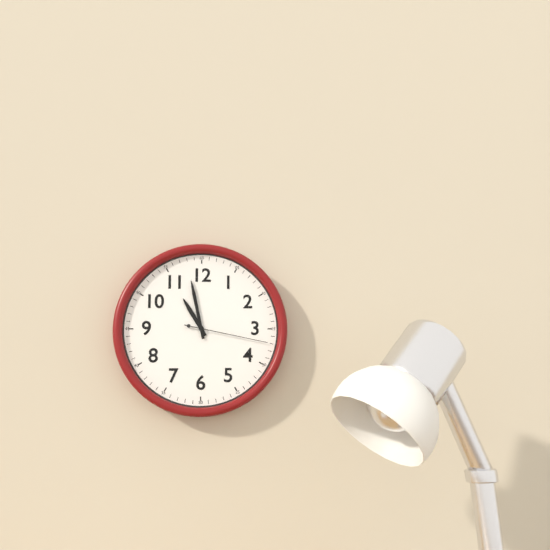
10:58:17
